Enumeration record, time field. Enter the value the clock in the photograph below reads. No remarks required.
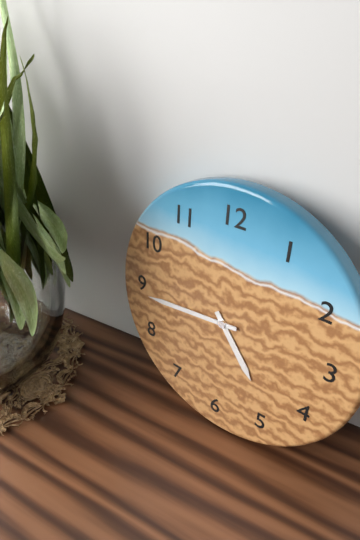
4:44
